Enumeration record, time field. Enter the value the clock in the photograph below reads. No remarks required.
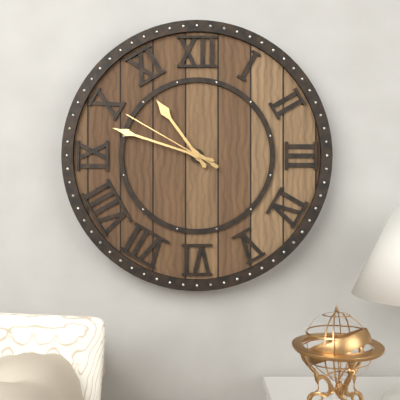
10:48:50
